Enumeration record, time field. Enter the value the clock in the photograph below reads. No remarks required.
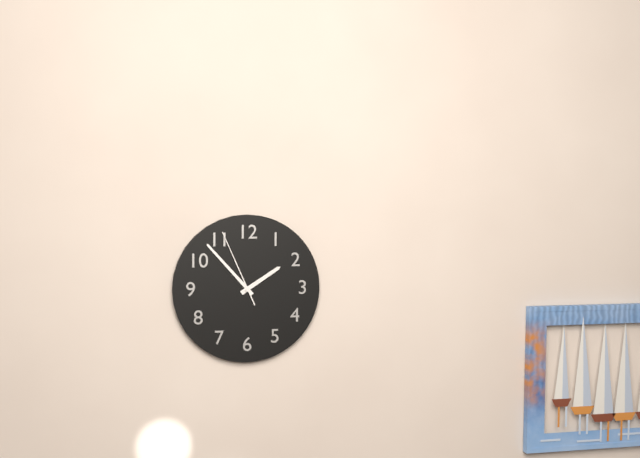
1:53:56
